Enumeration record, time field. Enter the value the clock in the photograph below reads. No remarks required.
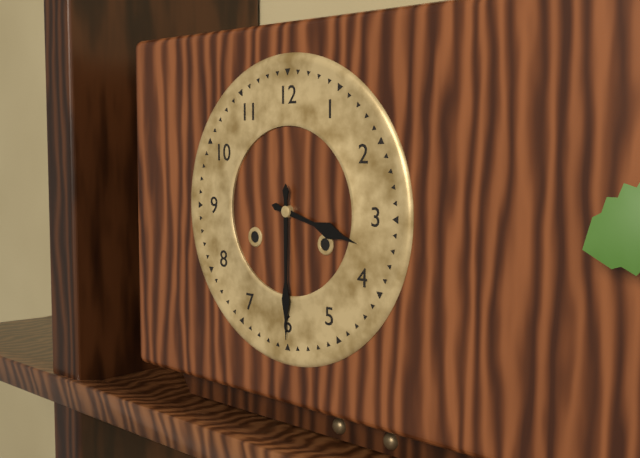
3:30
